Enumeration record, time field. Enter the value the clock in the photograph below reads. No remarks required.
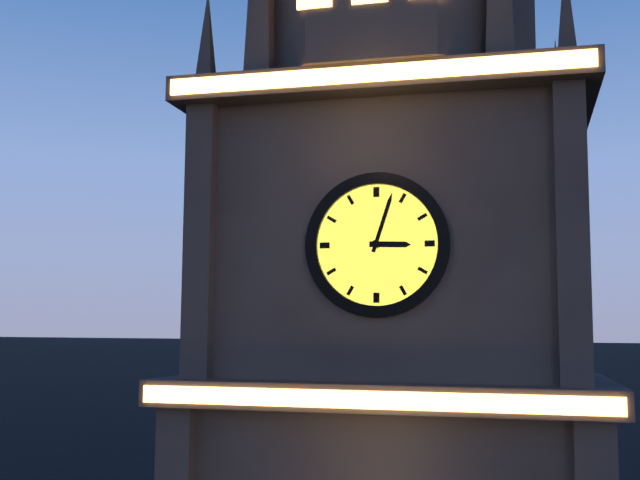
3:03
